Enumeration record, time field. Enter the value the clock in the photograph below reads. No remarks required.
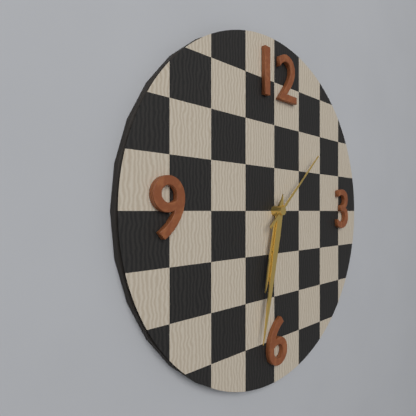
6:32:08
